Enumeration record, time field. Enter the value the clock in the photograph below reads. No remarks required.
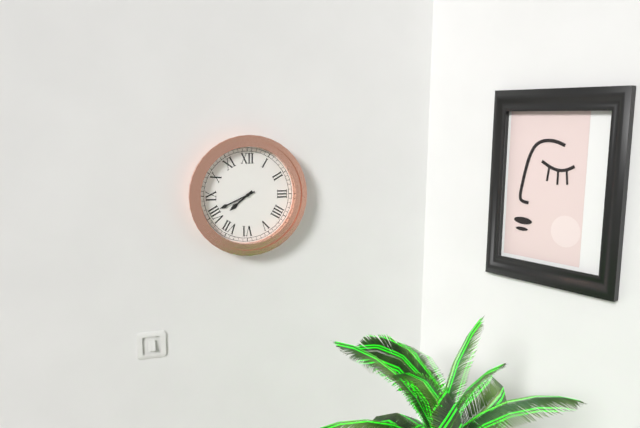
7:41
